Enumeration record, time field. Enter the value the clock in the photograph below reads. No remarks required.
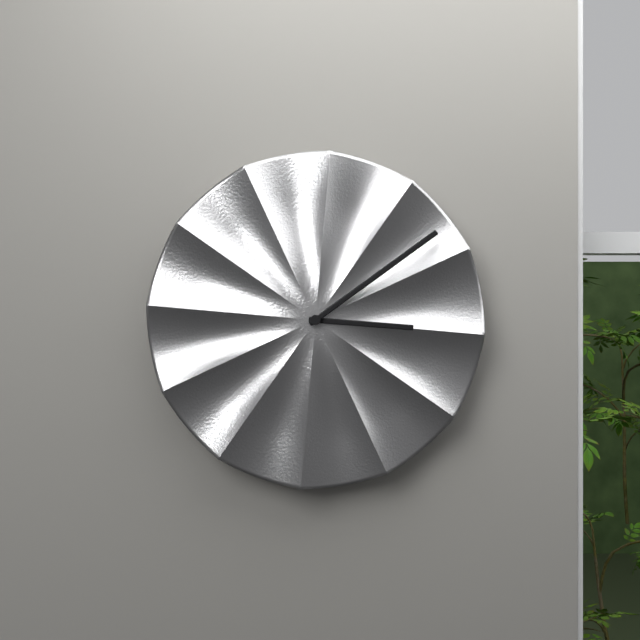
3:09
